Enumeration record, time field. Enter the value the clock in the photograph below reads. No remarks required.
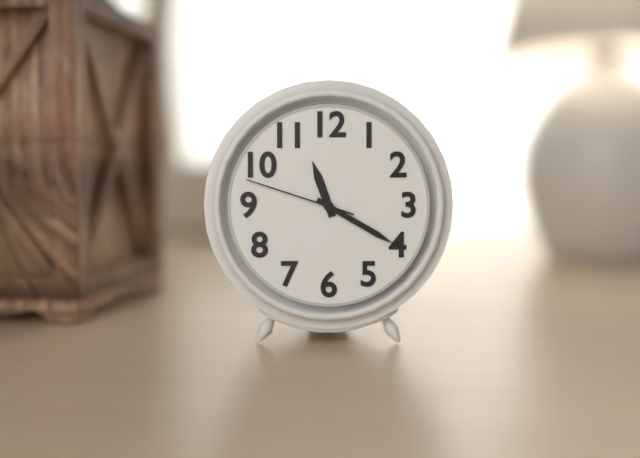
11:20:48
